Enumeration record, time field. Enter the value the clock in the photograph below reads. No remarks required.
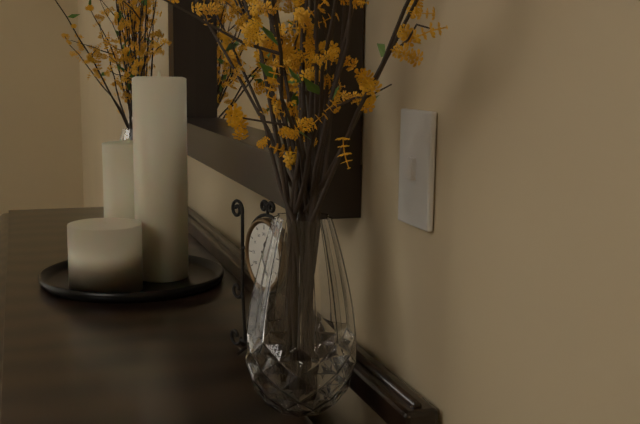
12:26
